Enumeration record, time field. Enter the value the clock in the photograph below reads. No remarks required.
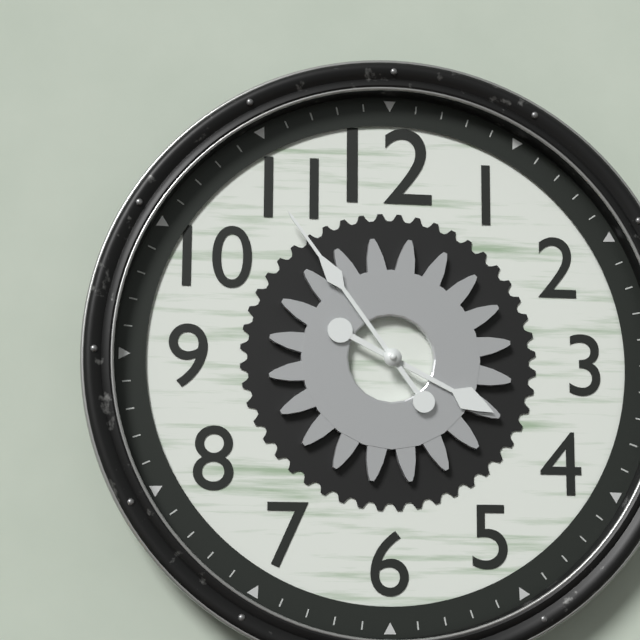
3:54
